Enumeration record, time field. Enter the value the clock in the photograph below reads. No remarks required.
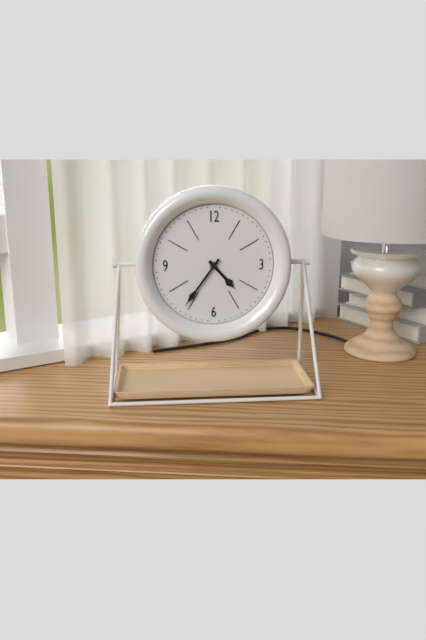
4:36
